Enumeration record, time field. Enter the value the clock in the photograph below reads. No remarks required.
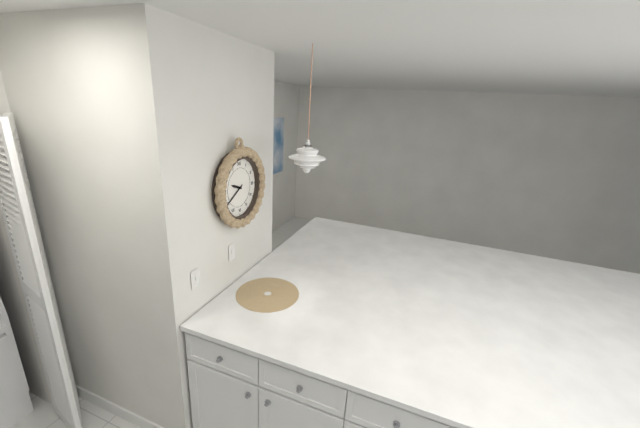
9:40
